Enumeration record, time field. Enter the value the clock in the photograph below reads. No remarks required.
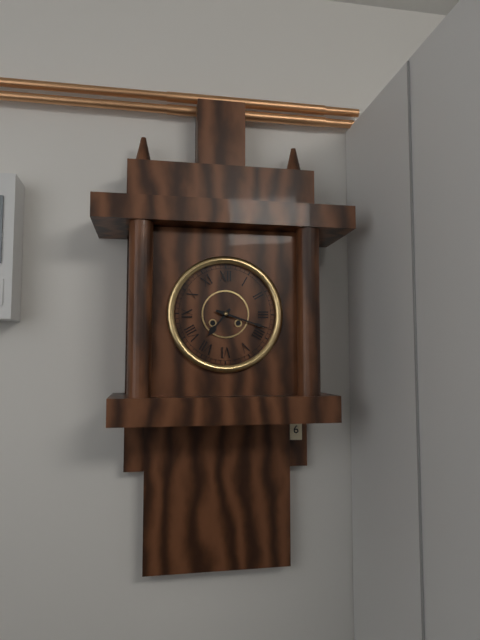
7:18
